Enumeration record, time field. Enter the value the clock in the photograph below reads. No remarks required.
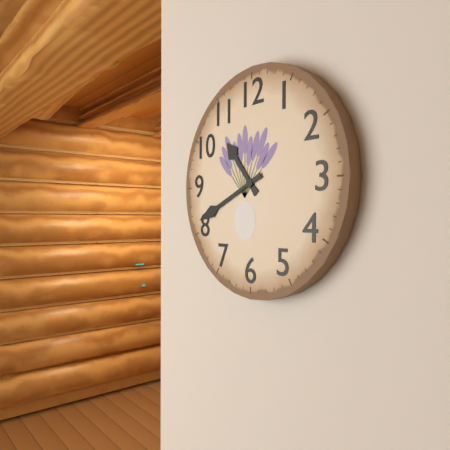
10:41
